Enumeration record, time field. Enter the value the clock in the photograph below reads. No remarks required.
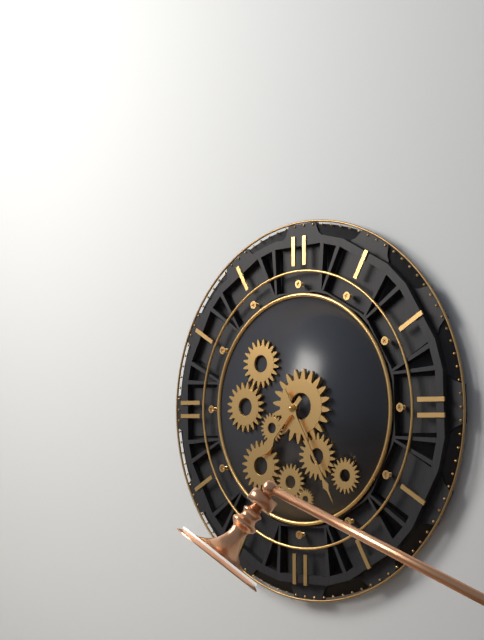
7:25
